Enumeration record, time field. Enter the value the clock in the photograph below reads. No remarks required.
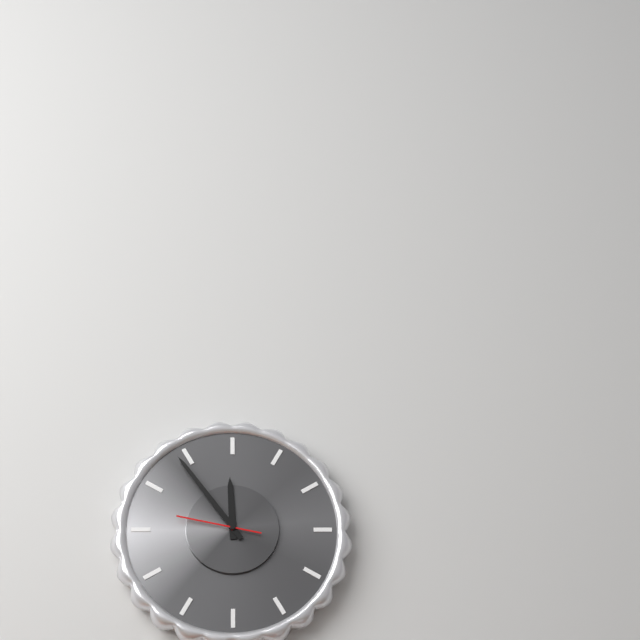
11:54:47
